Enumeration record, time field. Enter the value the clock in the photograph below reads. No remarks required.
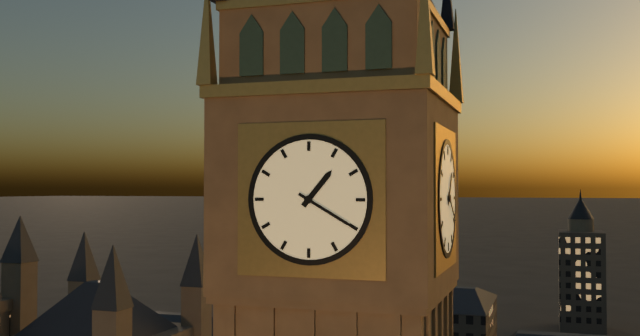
1:20
